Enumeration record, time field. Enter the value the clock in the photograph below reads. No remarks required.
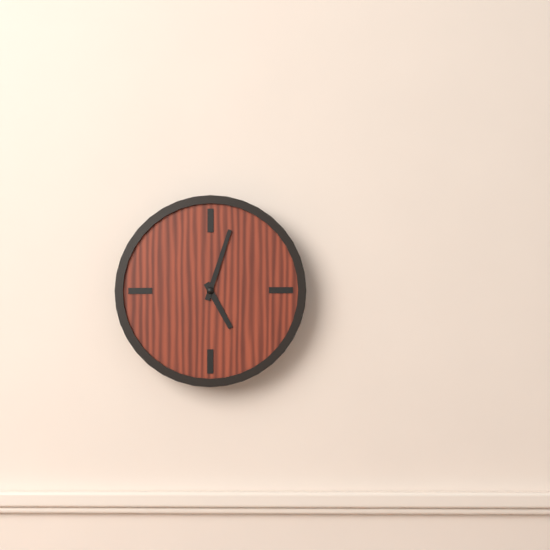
5:03
